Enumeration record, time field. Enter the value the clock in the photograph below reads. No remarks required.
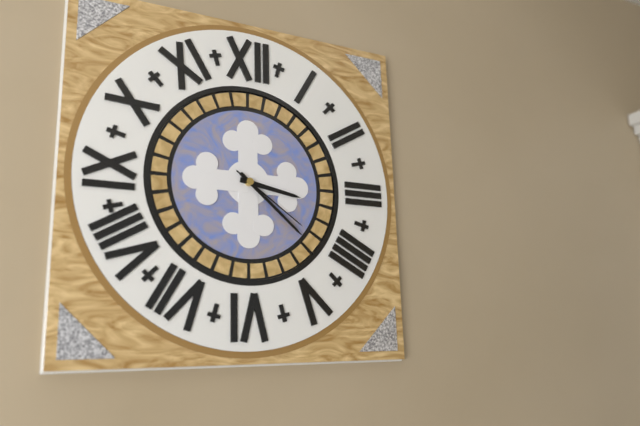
3:22:21
